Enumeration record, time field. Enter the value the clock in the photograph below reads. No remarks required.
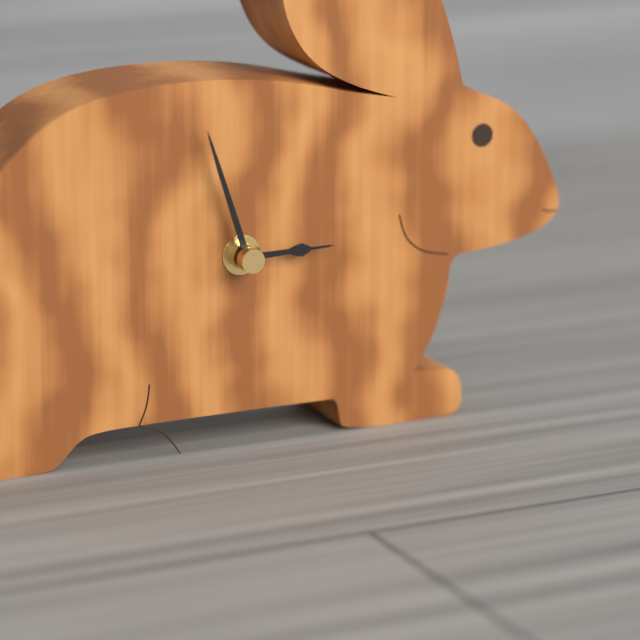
2:57
